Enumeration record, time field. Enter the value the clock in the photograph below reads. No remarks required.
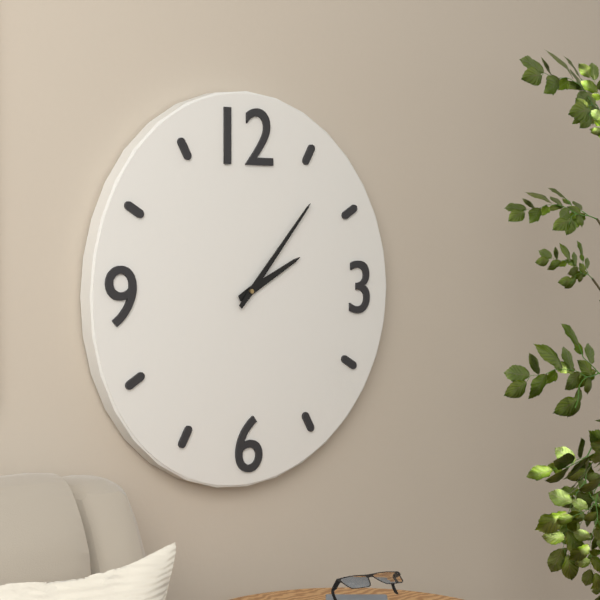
2:07
